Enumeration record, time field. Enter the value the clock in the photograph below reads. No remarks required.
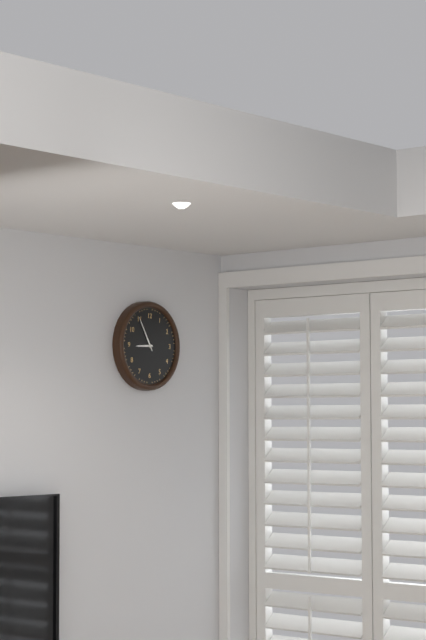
8:55
